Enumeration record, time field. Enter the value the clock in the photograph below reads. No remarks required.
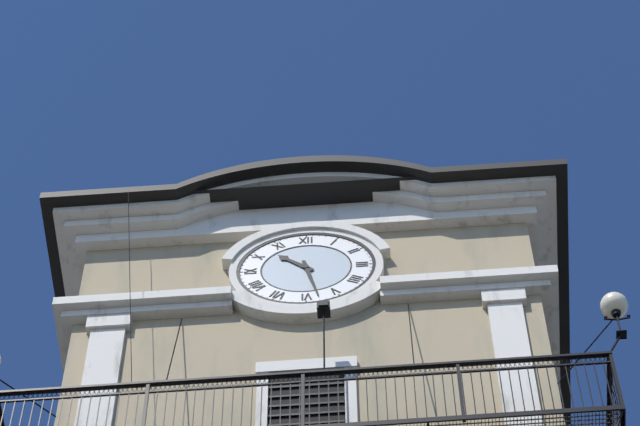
10:28
